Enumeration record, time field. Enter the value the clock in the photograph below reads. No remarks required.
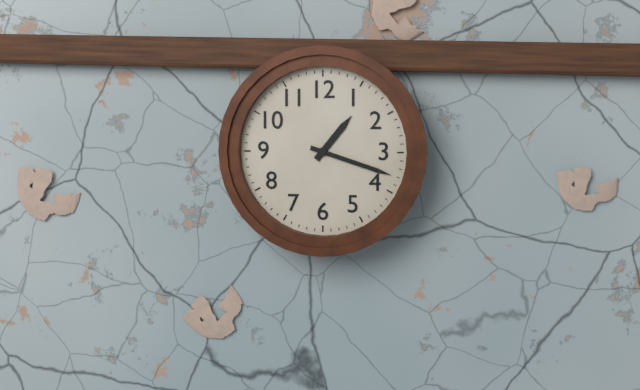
1:18
